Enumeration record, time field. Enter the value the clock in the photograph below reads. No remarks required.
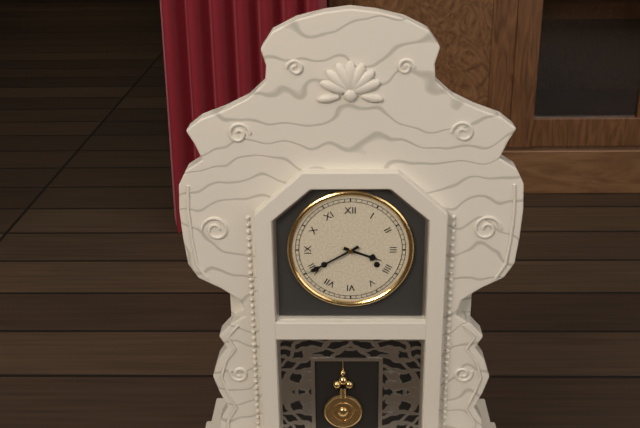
3:40
